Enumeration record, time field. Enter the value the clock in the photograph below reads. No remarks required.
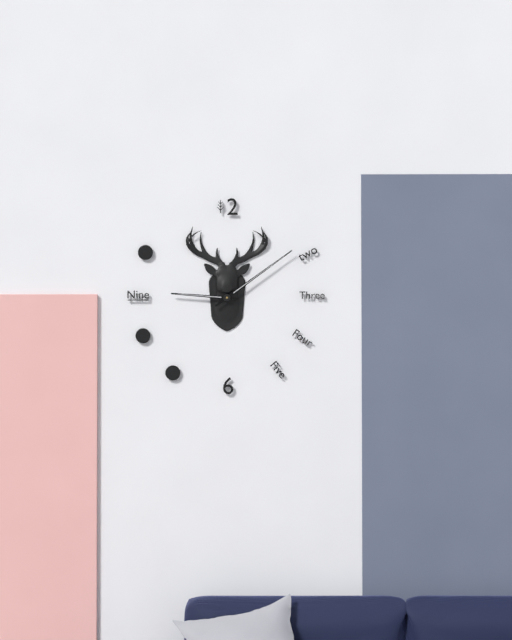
9:09
